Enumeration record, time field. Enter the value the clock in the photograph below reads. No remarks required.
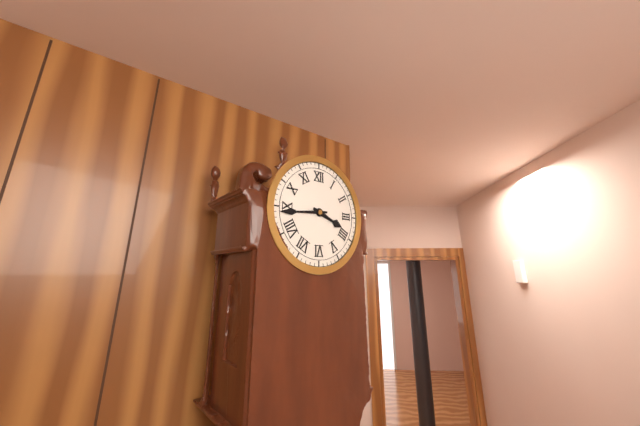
3:44
